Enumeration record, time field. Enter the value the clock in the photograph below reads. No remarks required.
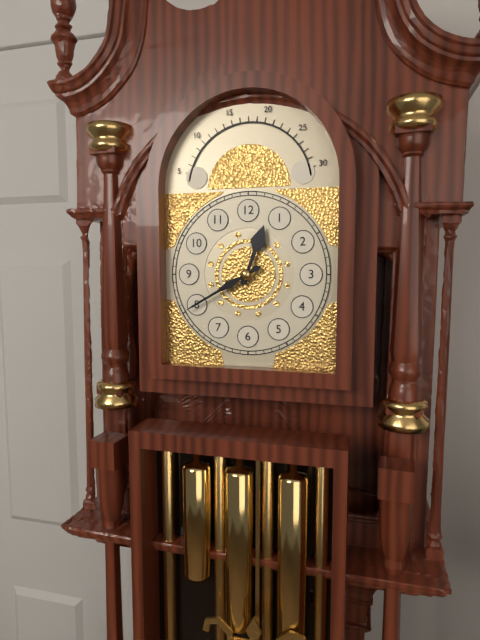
12:40
